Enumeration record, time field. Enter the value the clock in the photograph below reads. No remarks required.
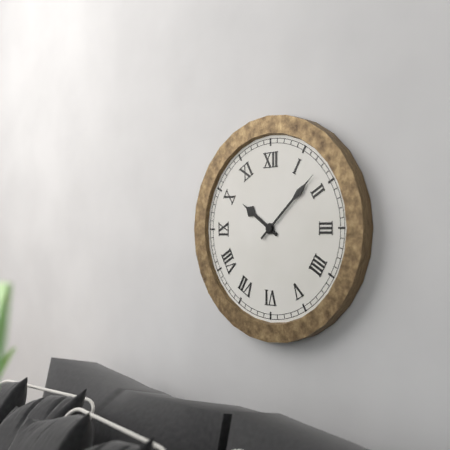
10:08
